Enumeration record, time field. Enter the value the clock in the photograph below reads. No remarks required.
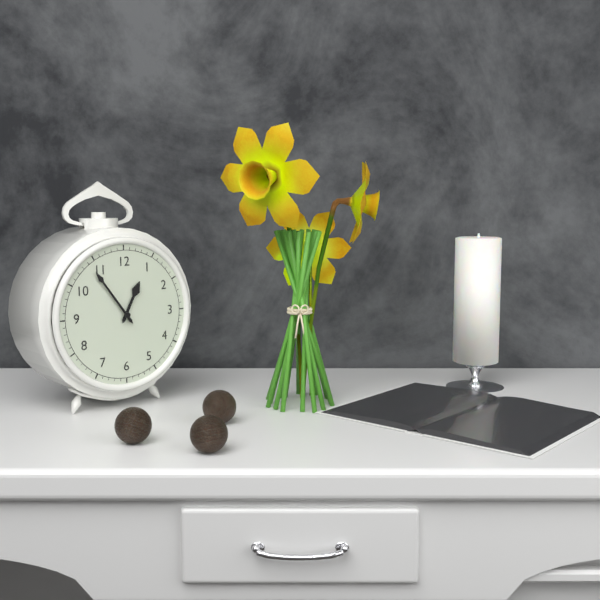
12:54
